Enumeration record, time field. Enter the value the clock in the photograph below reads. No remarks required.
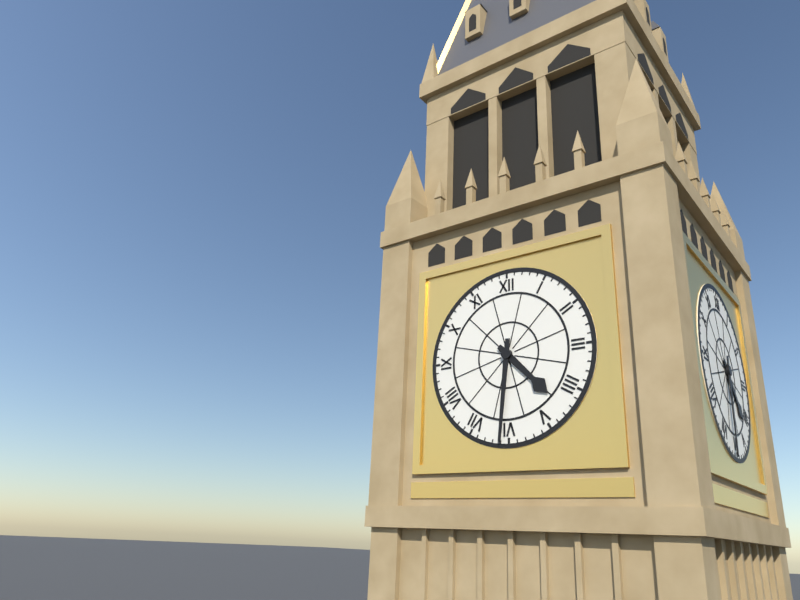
4:31
